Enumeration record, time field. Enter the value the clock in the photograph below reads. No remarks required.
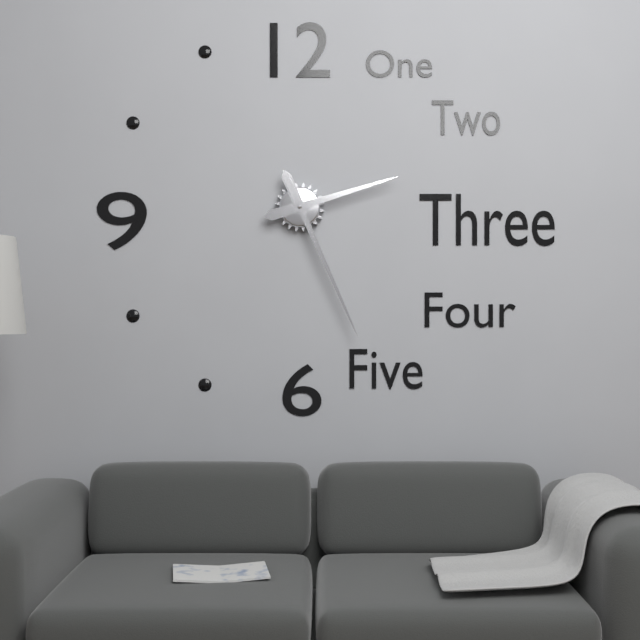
2:26
